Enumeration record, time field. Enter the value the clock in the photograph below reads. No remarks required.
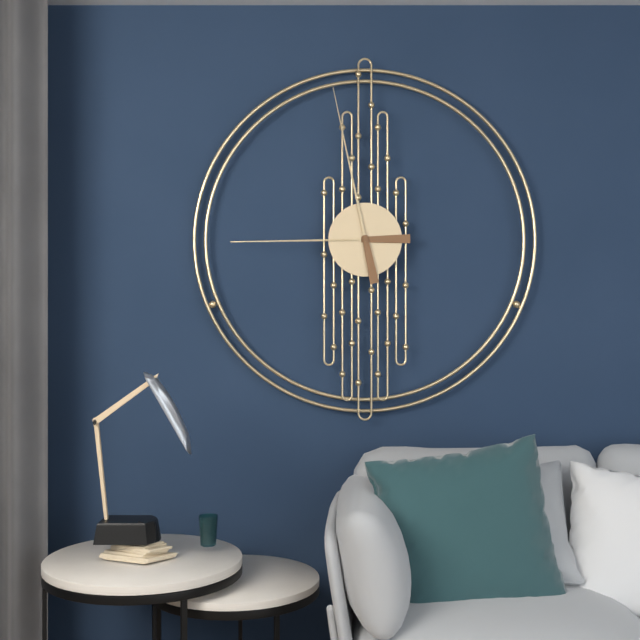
8:58
